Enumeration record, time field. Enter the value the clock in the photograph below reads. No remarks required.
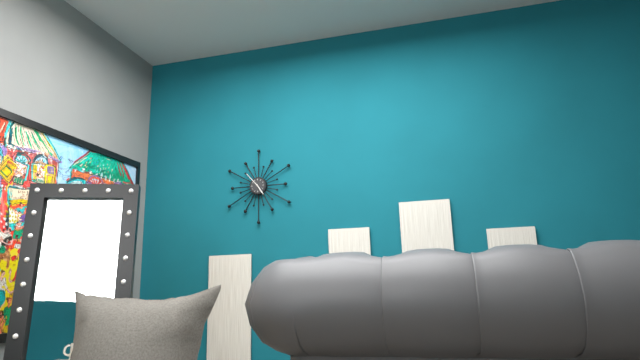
4:53
